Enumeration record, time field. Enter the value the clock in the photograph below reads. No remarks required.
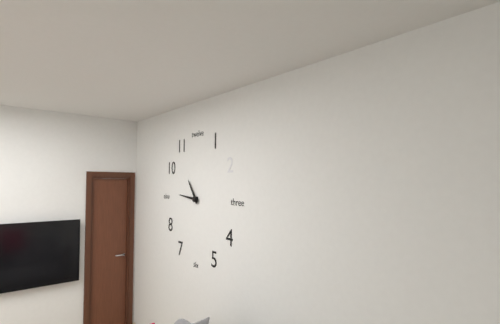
10:46
